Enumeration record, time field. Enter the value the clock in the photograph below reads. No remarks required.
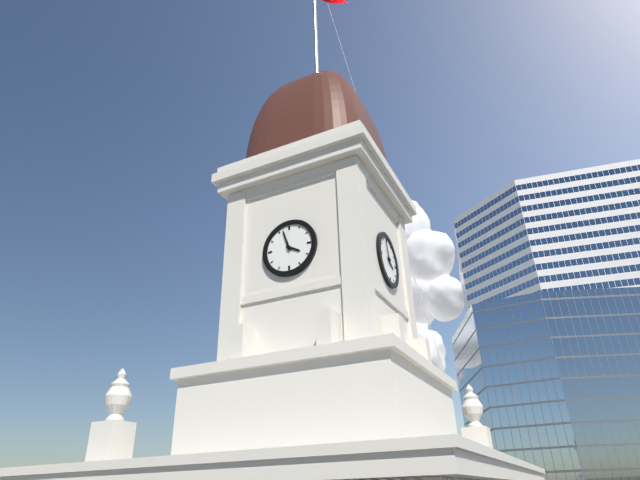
3:57
